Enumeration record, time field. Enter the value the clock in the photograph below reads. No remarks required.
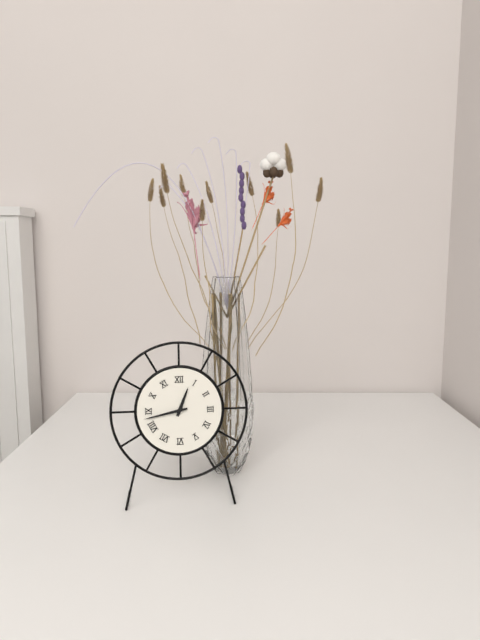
12:43
